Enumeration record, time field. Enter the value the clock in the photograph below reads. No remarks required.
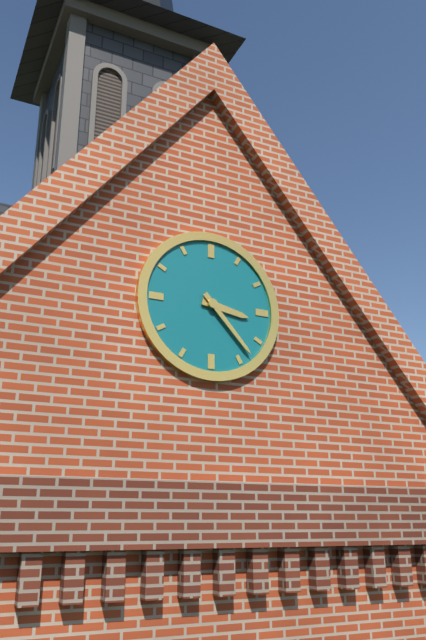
3:23
